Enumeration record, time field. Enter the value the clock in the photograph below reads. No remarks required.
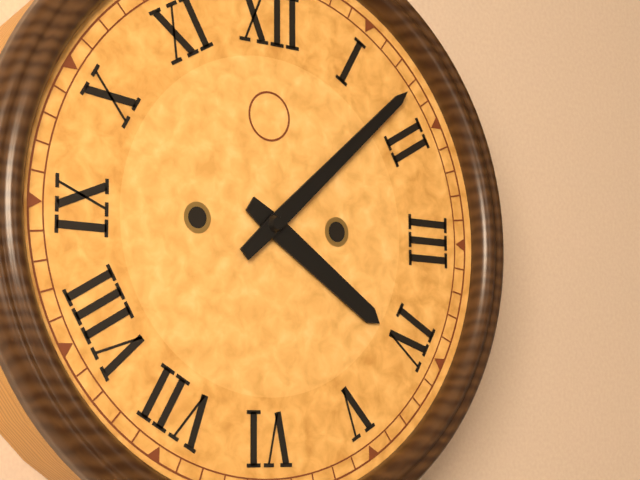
4:08
